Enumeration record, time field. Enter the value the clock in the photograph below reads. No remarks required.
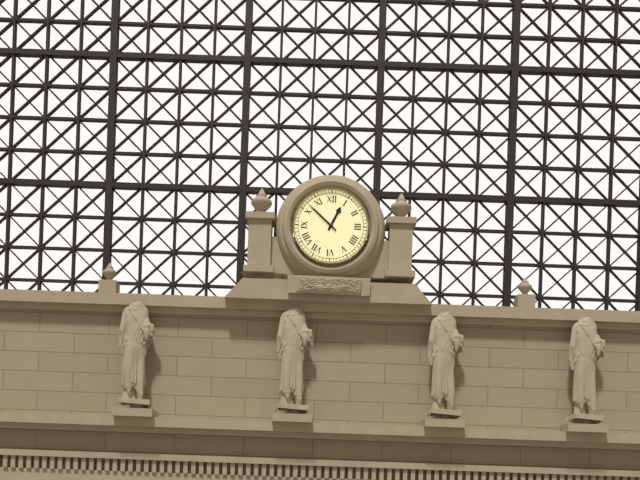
12:52
